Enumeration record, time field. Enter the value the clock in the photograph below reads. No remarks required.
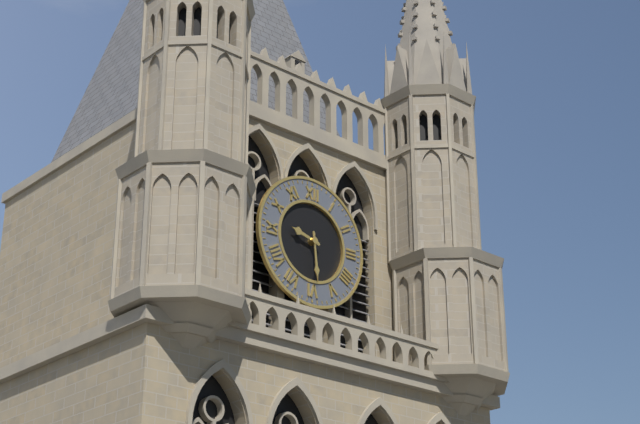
9:29
